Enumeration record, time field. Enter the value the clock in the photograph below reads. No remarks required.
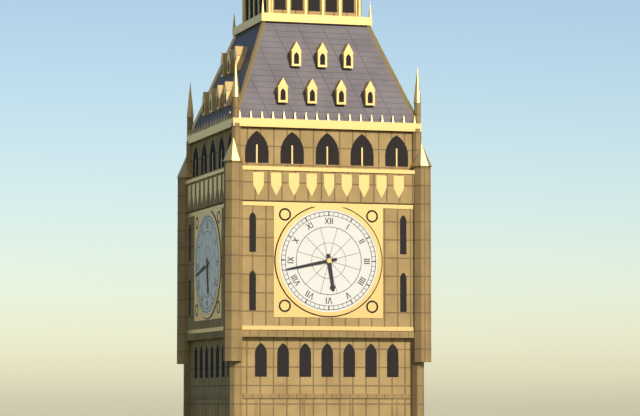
5:43
